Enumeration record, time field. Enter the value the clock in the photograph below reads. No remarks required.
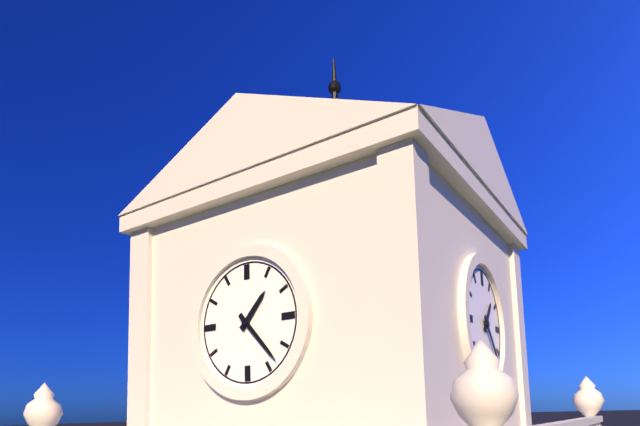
1:23
